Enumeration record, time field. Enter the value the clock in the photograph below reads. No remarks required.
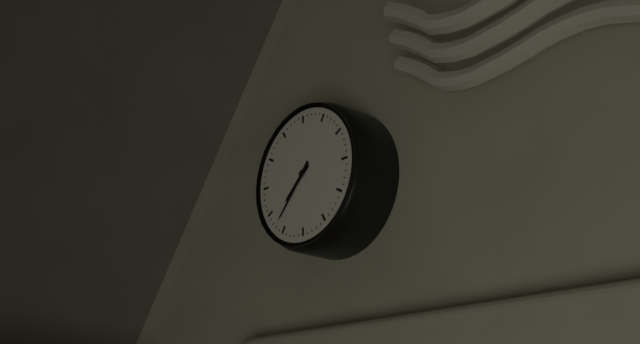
7:37
